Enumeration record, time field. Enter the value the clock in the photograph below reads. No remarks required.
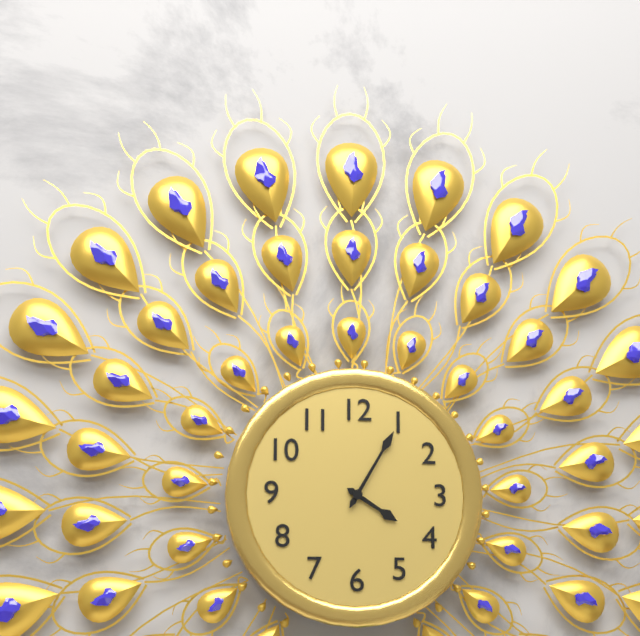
4:05
